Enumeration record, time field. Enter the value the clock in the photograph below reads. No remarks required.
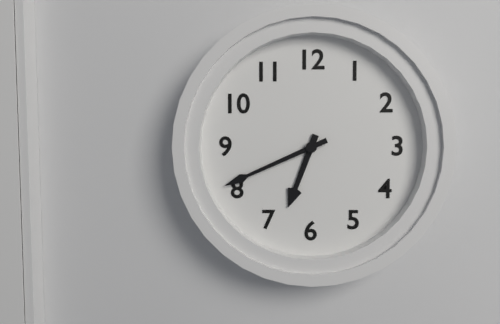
6:41
